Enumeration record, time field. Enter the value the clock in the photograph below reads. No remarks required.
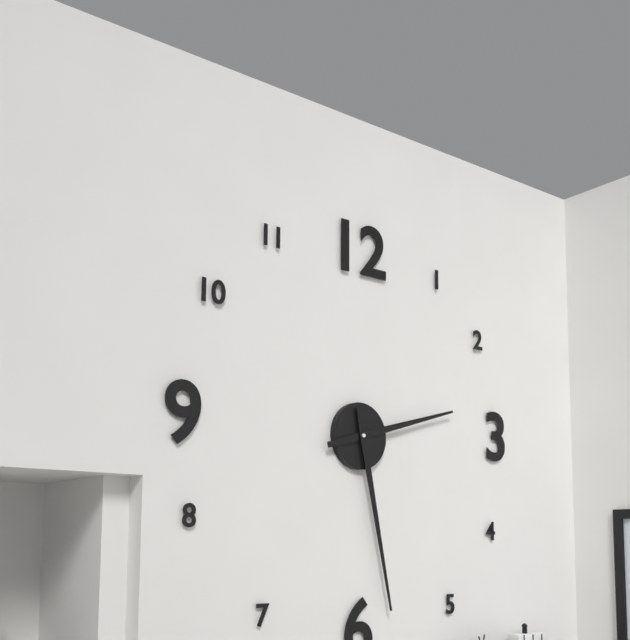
2:28
